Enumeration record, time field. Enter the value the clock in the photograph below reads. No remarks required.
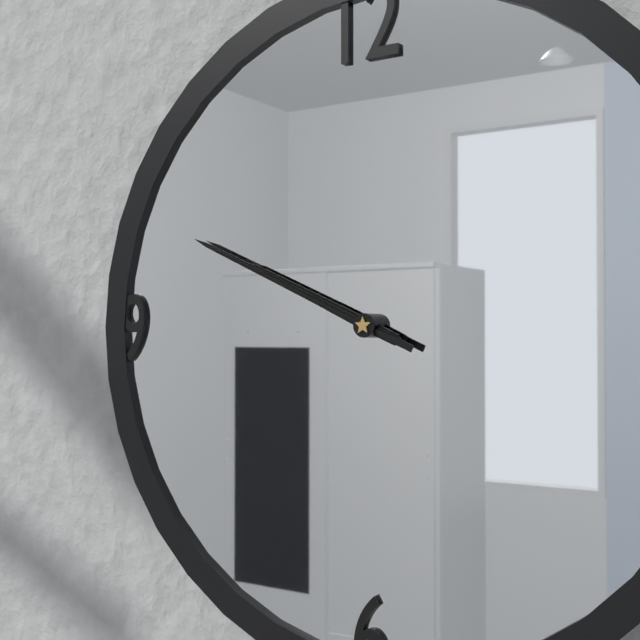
9:49:49
